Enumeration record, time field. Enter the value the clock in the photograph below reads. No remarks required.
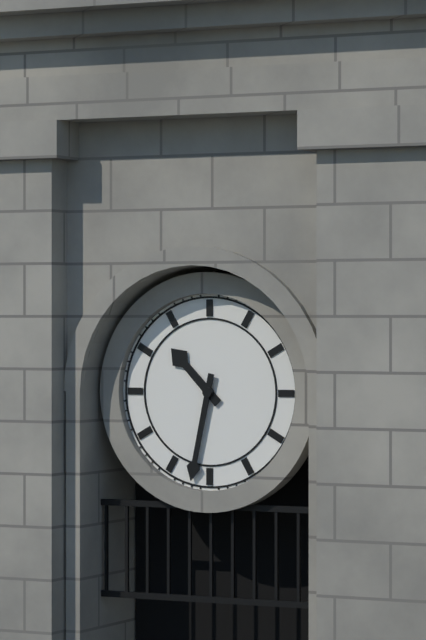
10:32
